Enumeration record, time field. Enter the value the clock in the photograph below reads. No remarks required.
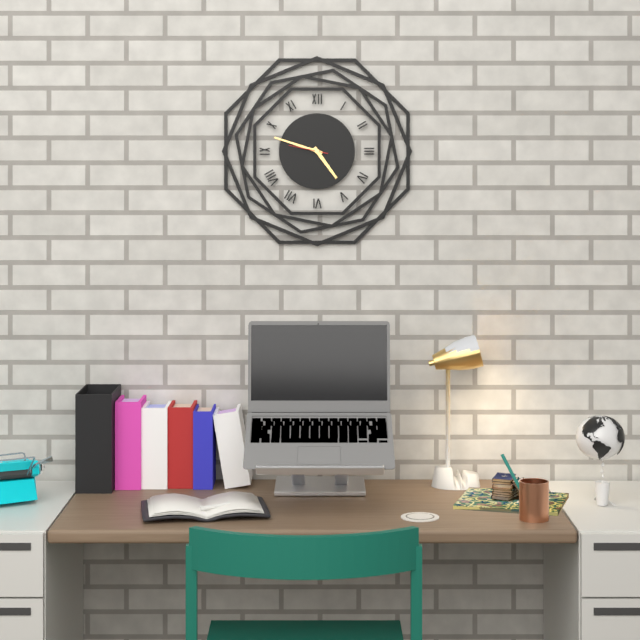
4:48
